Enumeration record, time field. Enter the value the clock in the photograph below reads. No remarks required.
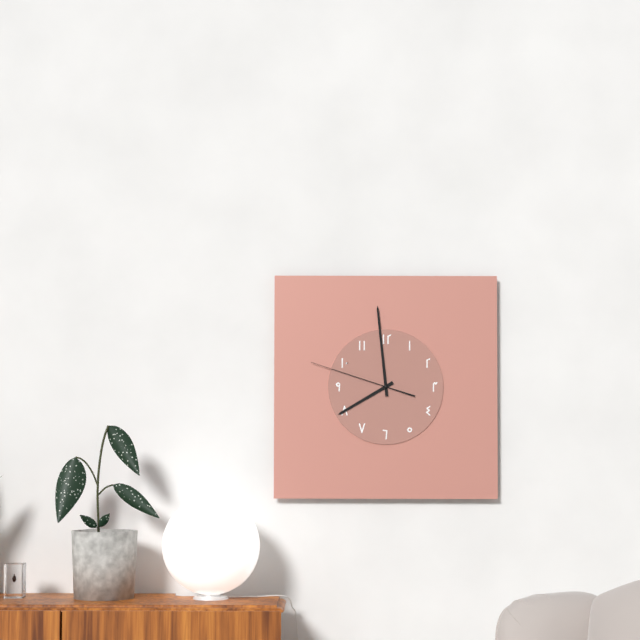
7:59:48
